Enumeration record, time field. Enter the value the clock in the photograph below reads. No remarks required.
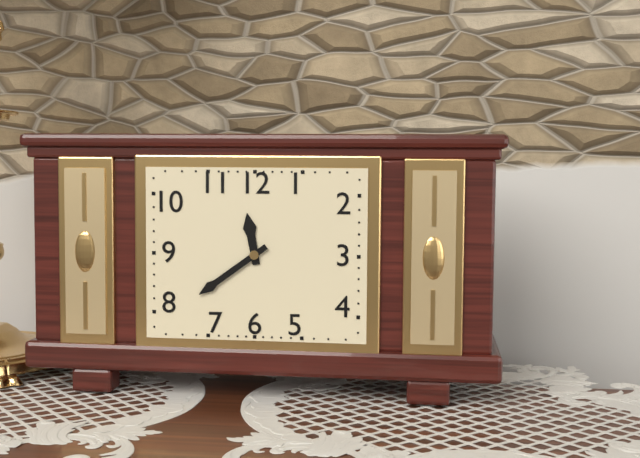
11:39
